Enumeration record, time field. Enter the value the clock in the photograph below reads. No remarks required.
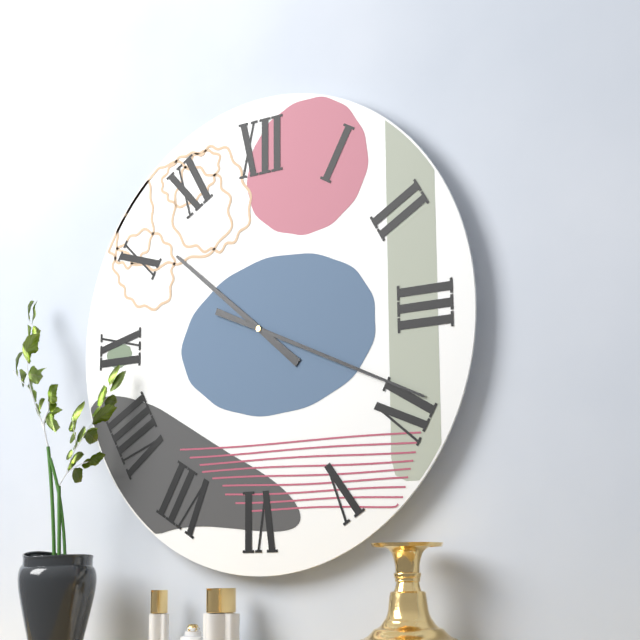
10:19
